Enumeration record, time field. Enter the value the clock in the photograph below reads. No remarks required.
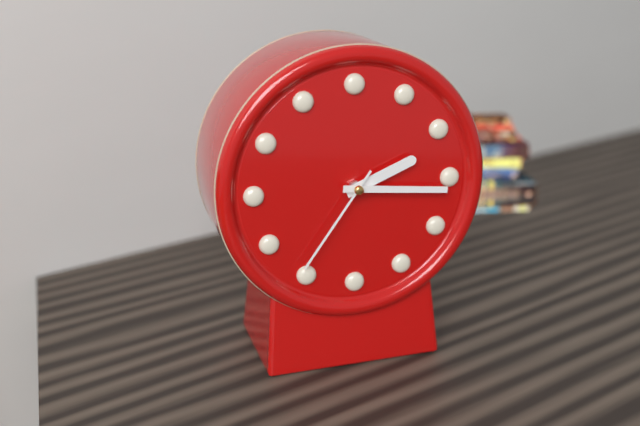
2:16:36
